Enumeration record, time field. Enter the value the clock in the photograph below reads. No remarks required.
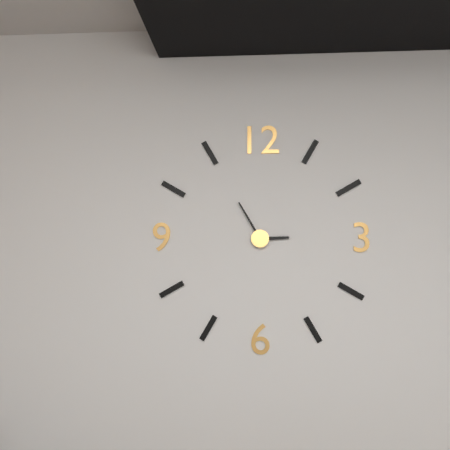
2:55
